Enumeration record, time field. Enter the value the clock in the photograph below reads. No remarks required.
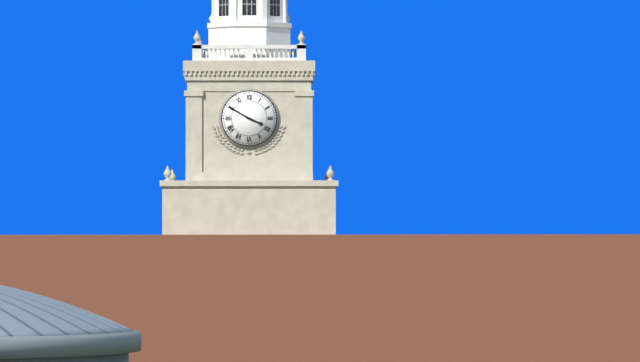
3:50
